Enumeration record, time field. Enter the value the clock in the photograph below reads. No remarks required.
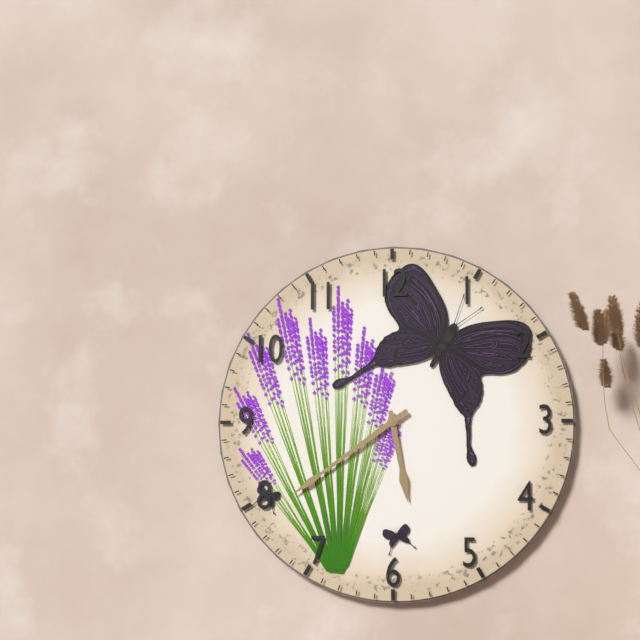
5:39
